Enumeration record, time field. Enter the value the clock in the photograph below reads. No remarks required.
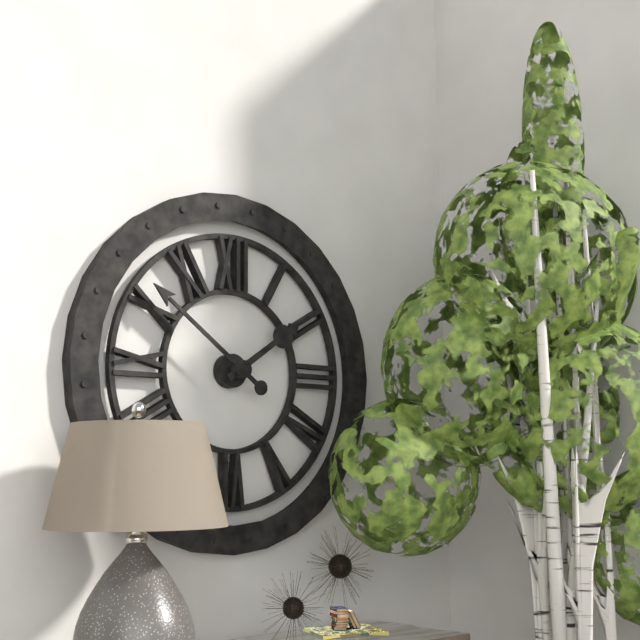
1:51
